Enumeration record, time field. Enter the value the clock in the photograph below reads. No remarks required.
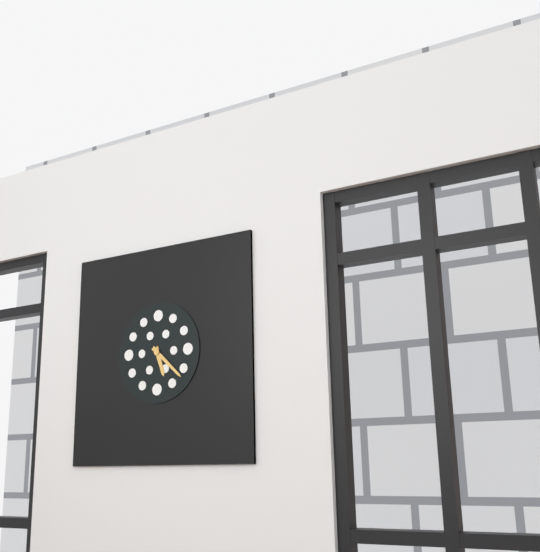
5:22
